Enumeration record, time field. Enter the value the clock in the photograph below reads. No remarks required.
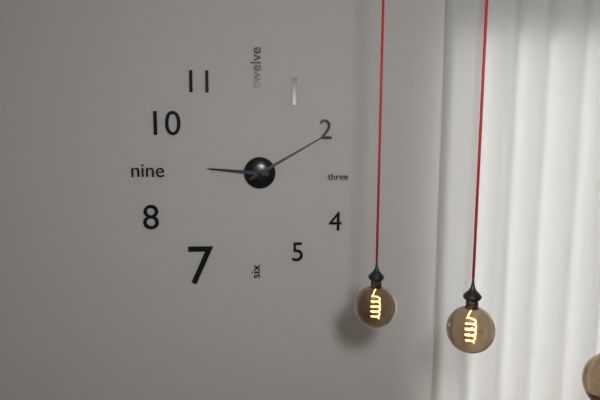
9:10
